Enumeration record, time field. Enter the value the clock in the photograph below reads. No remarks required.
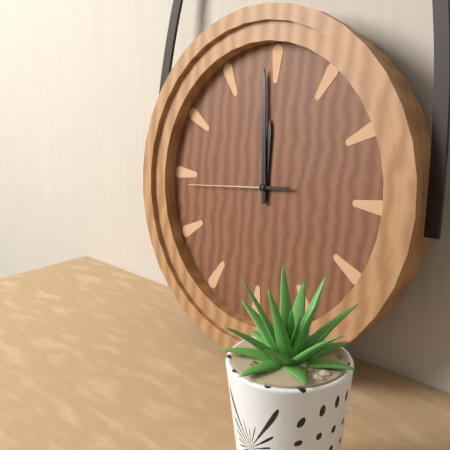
11:59:44
